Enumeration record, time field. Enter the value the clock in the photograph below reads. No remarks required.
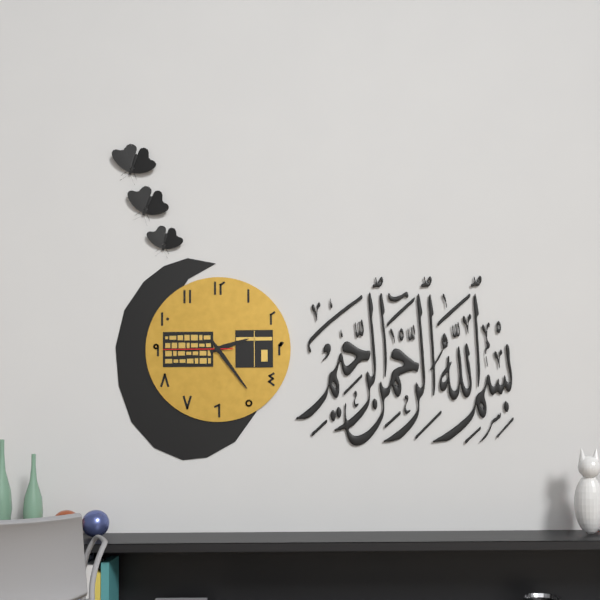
2:24:45
